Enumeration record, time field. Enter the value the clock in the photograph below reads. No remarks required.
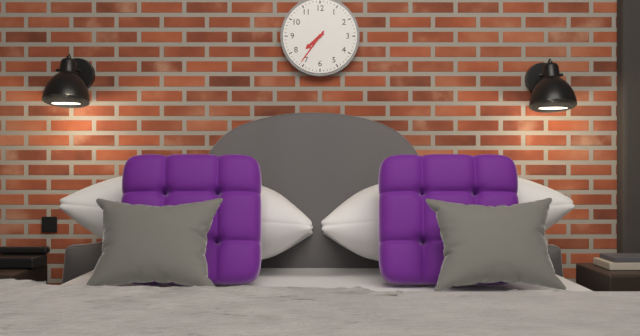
7:36
